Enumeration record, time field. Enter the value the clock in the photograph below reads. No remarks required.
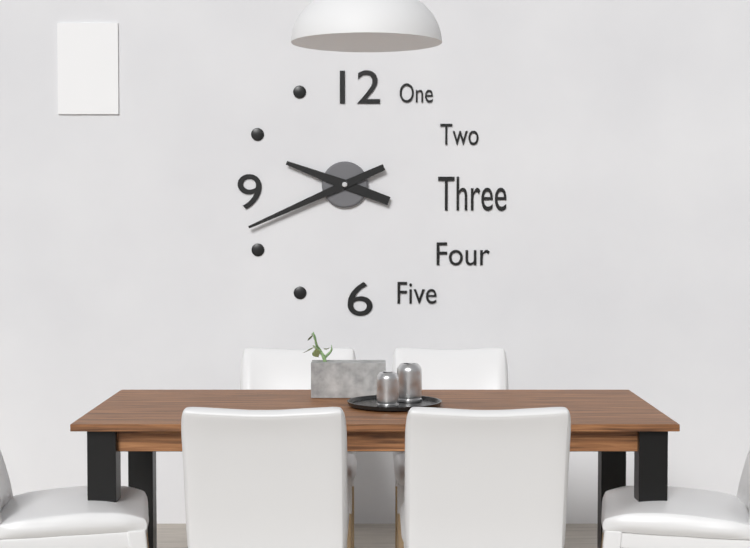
9:41
